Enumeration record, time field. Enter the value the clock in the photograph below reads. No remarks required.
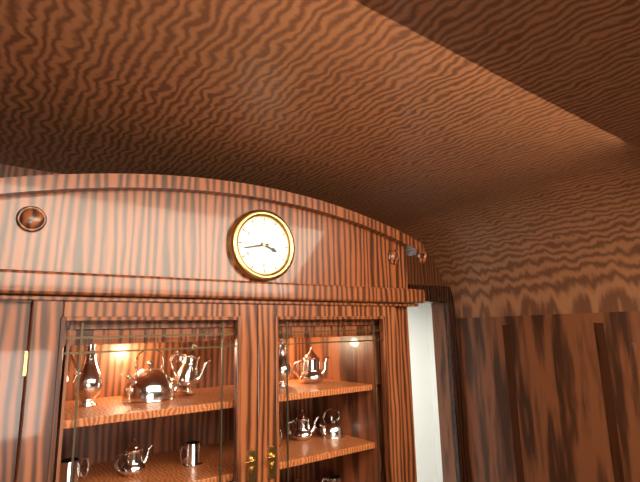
3:43
